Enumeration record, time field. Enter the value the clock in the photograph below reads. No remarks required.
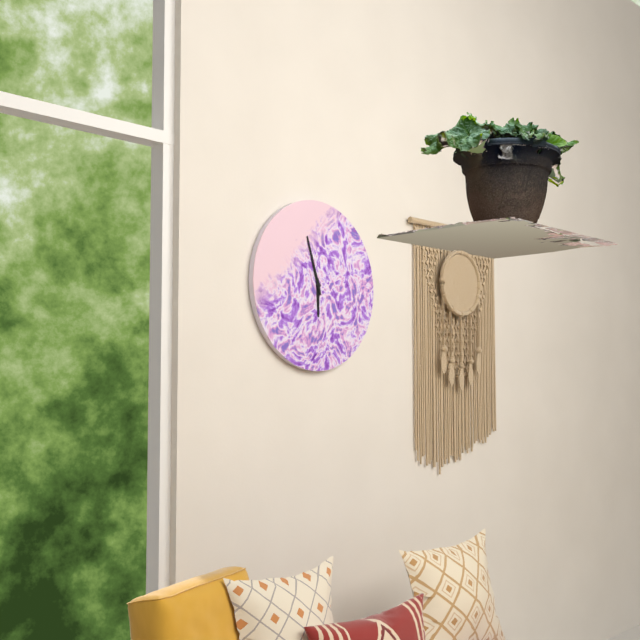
5:57
